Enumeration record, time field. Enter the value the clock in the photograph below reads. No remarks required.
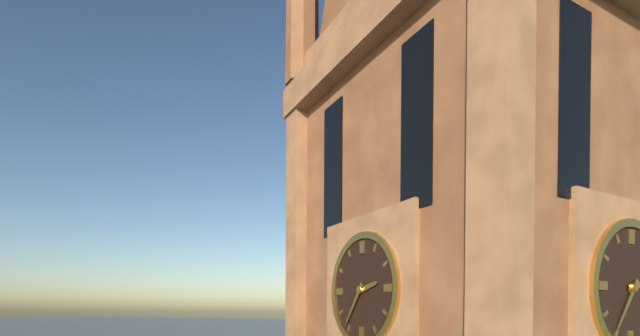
2:36
